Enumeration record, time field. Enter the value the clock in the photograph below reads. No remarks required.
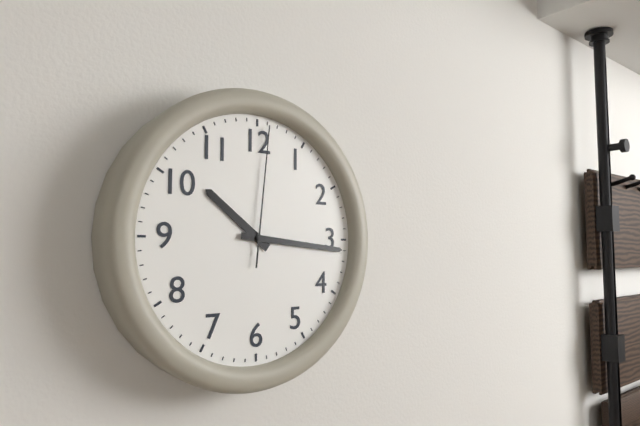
10:16:01
